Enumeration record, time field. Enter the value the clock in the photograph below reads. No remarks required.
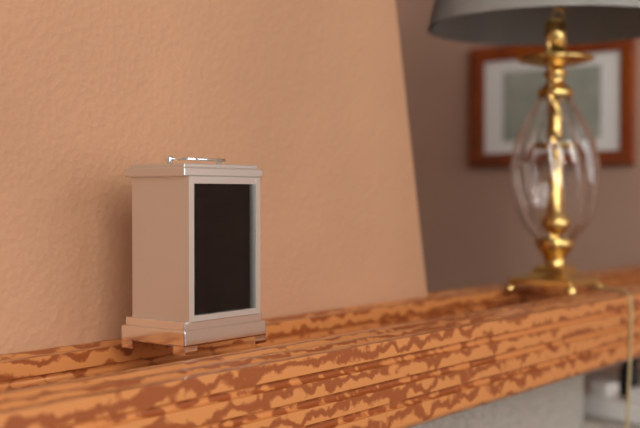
1:29
